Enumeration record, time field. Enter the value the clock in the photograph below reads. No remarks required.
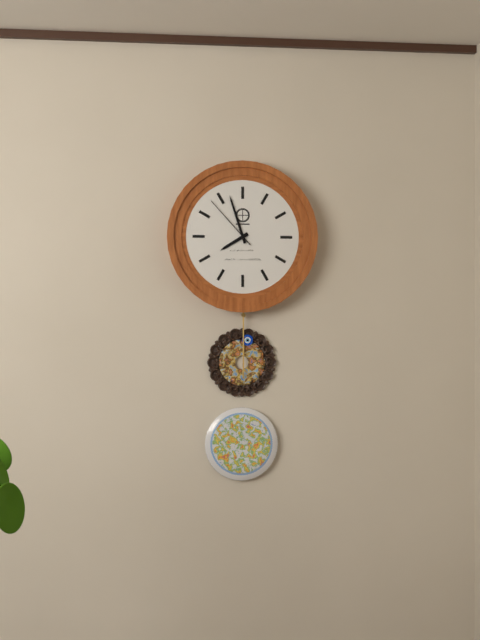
7:57:53
